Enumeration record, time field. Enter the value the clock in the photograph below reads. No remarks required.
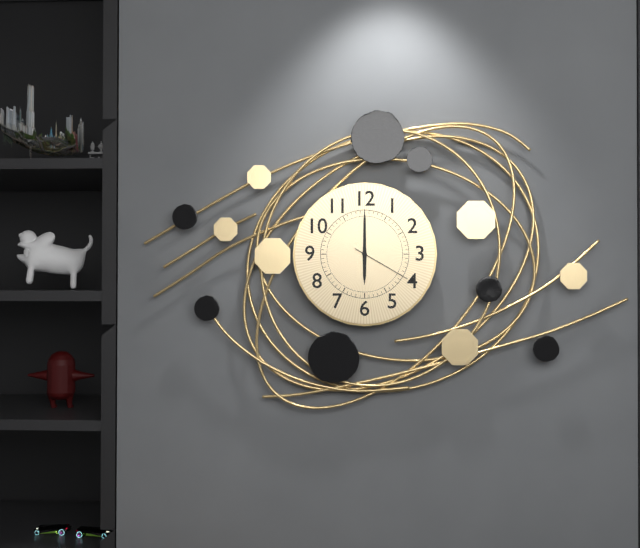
6:00:20
